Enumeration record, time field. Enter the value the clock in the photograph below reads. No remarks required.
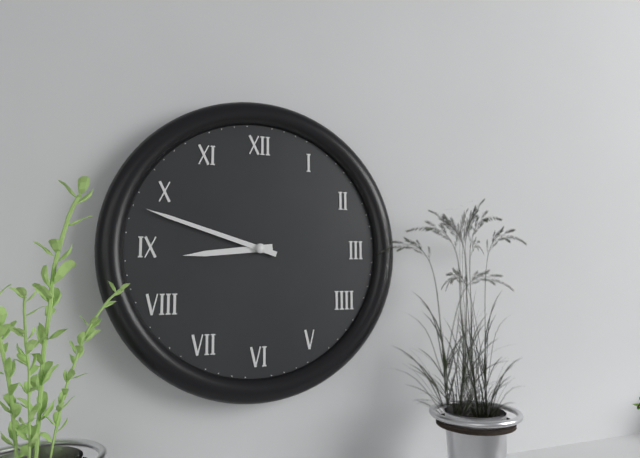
8:48
